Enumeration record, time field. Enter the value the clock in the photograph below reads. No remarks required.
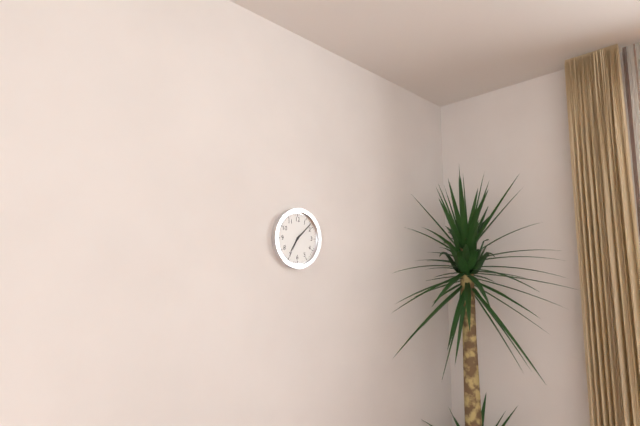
7:08
